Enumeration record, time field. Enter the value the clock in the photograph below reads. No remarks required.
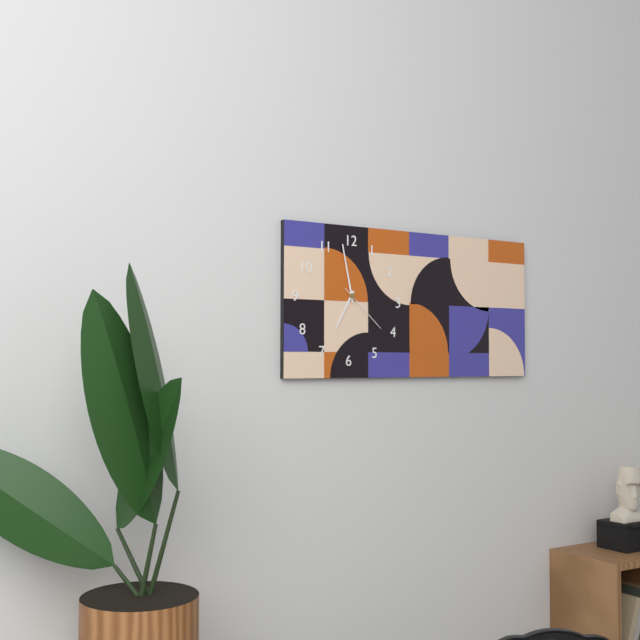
6:58:22
